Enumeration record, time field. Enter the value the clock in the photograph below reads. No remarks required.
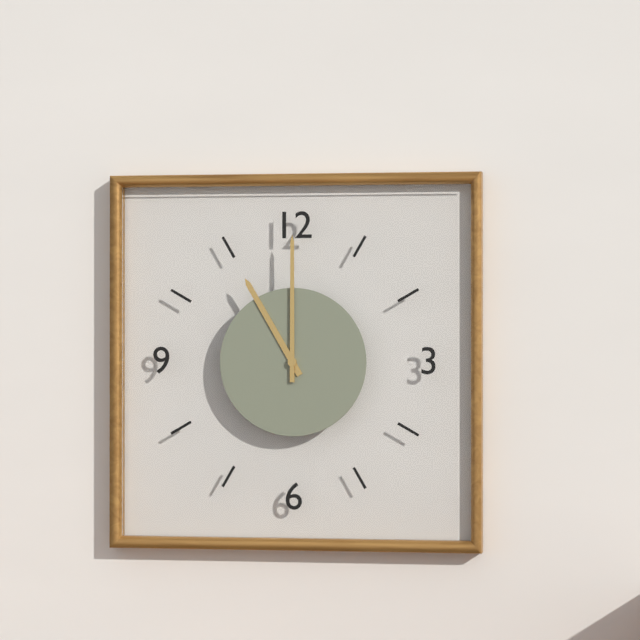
11:00
